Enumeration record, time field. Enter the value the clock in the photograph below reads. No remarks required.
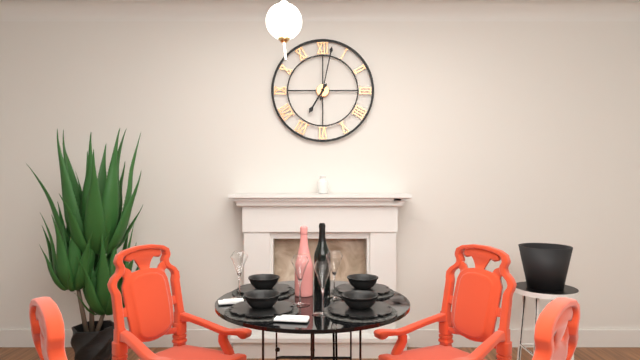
7:02
